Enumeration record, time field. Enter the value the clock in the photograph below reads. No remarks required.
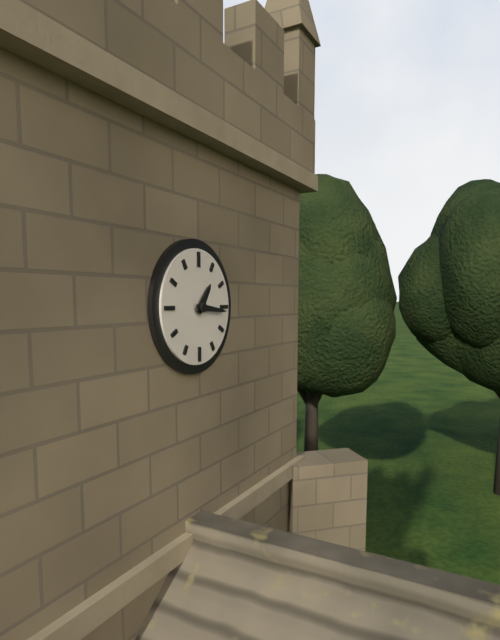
1:16
